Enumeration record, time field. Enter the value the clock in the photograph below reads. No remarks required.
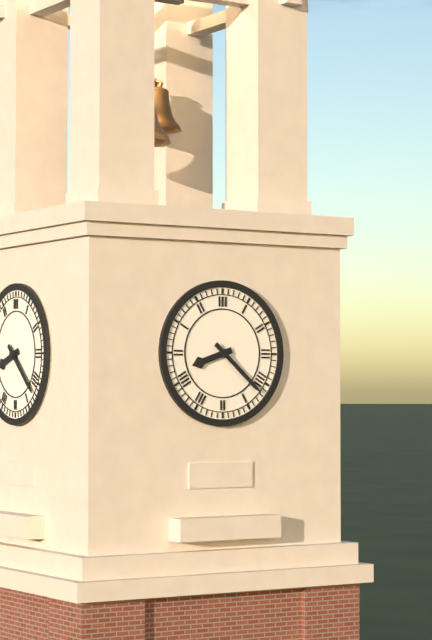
8:22
